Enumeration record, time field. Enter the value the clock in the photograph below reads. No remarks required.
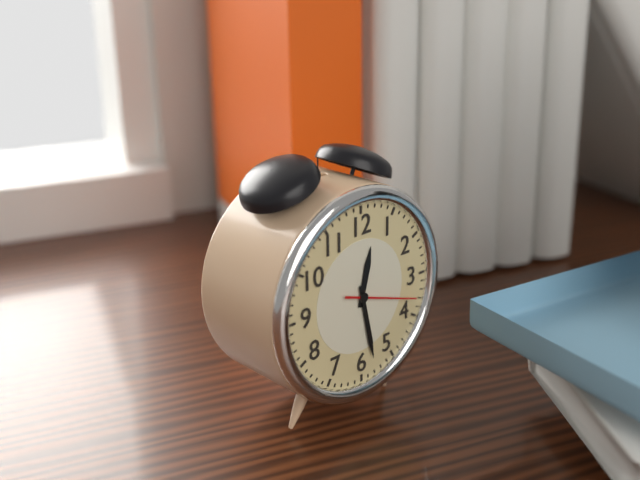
12:28:18
